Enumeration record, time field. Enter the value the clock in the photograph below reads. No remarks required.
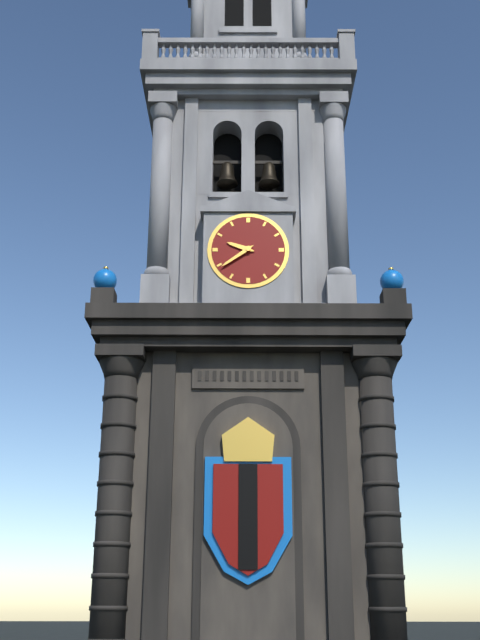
9:39
